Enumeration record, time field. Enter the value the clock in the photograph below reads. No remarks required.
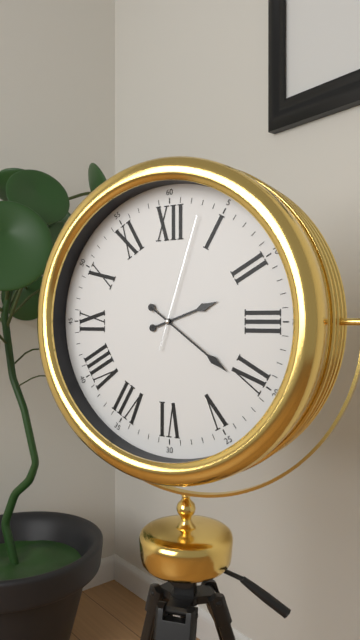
2:21:03
